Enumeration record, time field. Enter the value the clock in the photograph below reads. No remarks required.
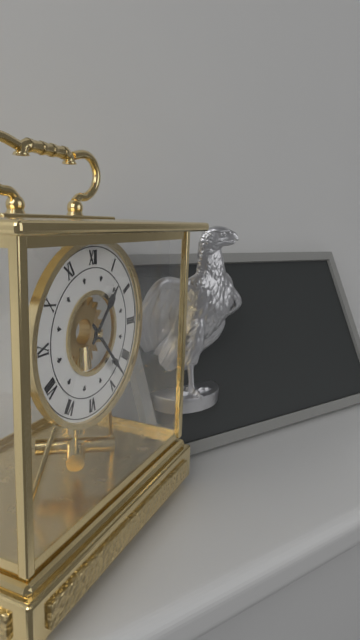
1:23
